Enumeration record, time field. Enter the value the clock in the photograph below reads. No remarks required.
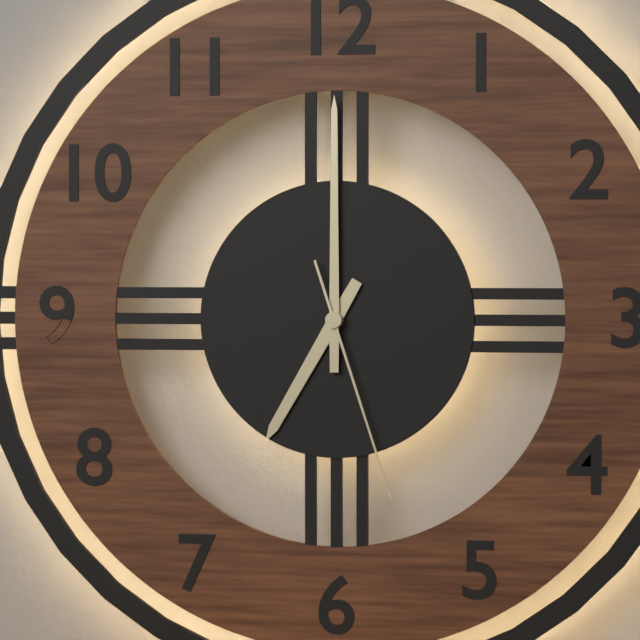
7:00:27
